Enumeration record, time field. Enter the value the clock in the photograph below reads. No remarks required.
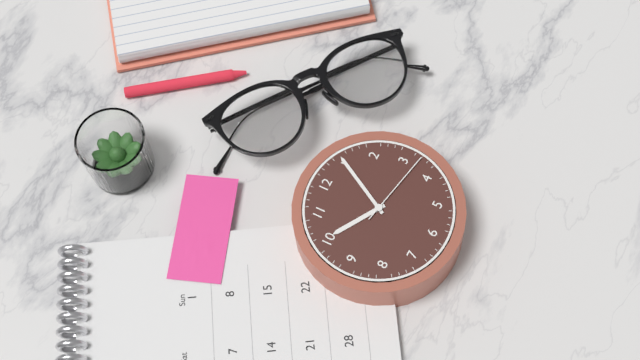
10:05:17
